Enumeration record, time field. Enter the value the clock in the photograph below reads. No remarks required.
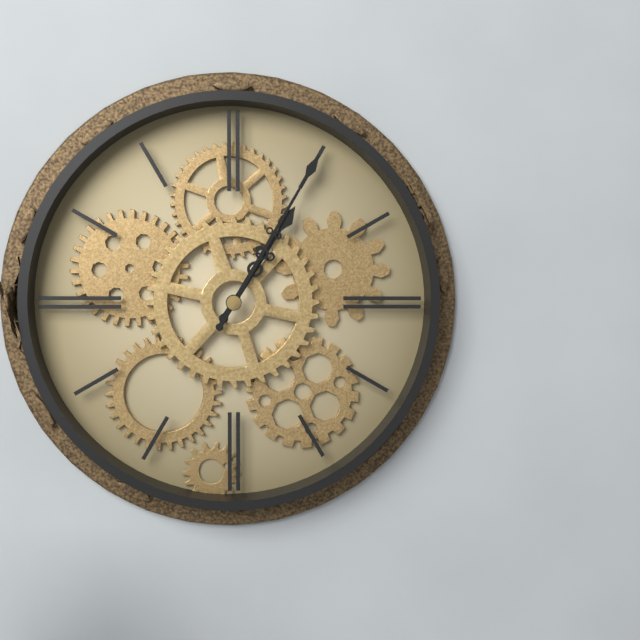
1:05
